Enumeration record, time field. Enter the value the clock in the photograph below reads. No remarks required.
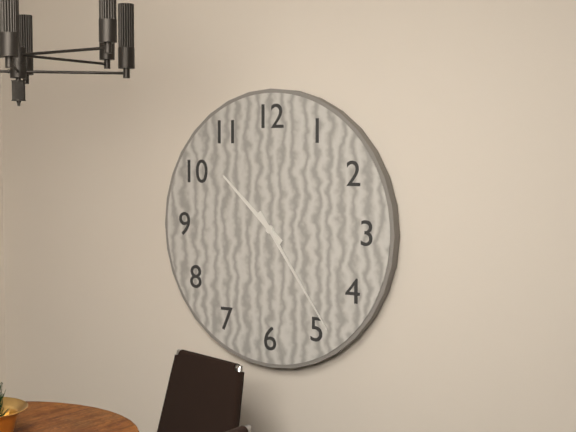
10:24
